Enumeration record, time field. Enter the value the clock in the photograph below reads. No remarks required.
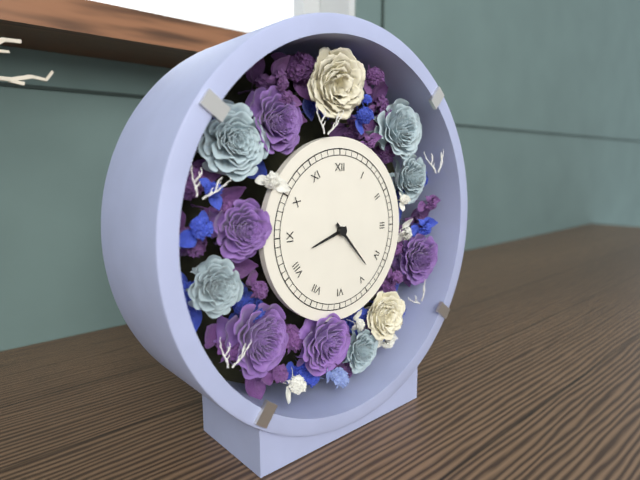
8:23
